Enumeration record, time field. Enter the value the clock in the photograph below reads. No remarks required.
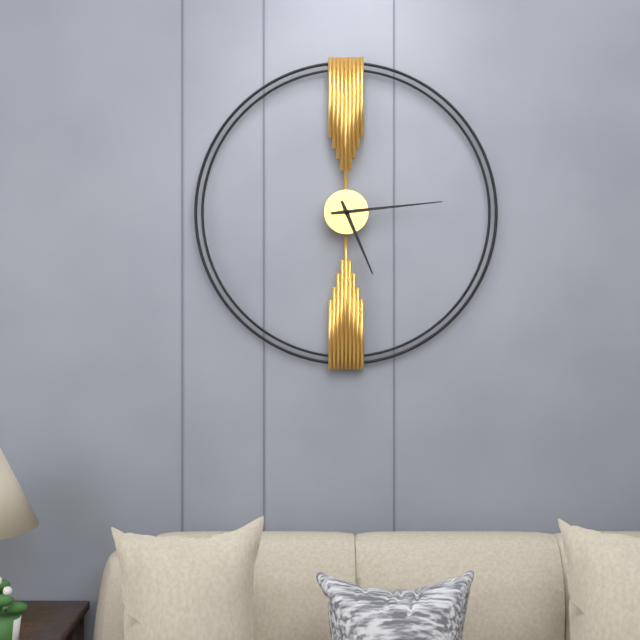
5:14
